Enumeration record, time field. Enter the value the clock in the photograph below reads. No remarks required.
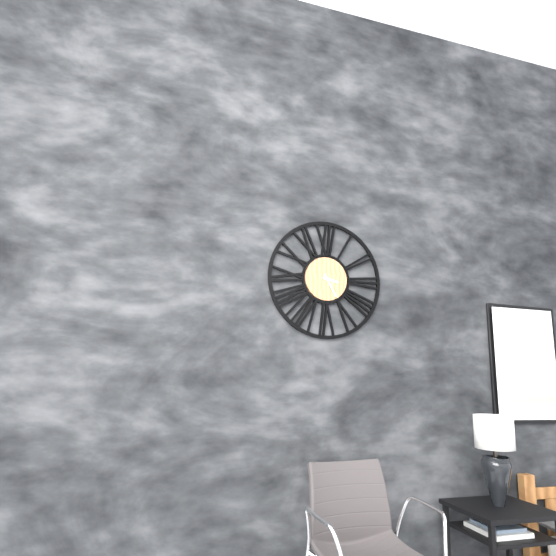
3:25
